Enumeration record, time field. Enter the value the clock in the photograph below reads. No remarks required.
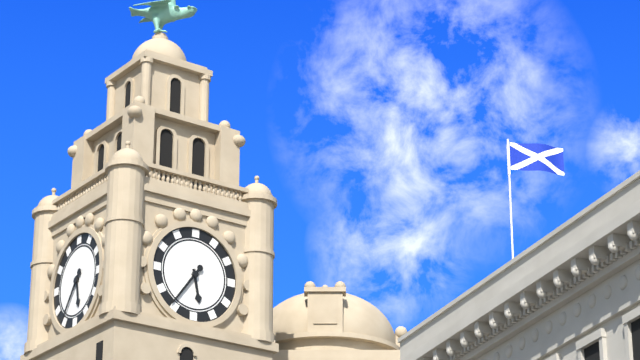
5:36
